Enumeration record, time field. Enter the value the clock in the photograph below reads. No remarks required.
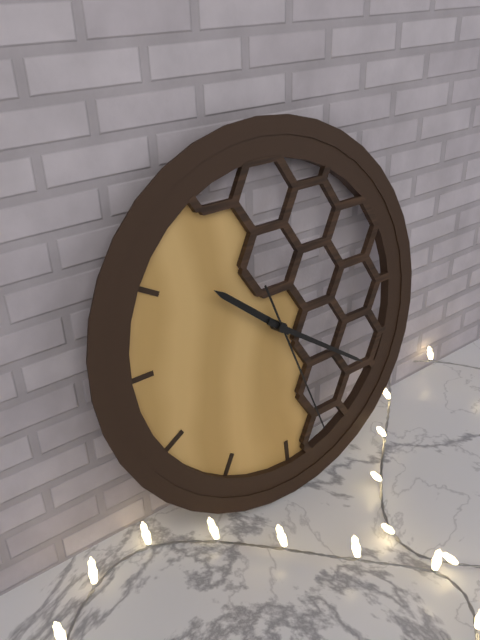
10:21:27
